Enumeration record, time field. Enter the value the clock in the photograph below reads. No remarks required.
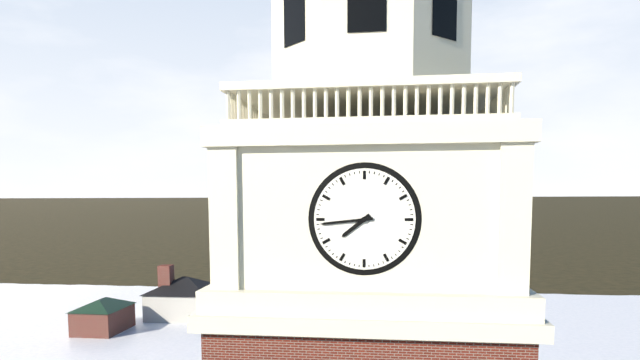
7:44
